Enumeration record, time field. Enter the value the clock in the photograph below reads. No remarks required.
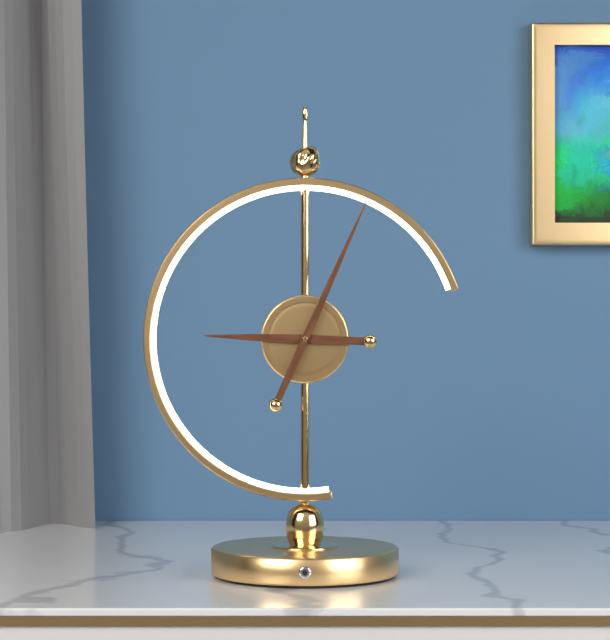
9:04
